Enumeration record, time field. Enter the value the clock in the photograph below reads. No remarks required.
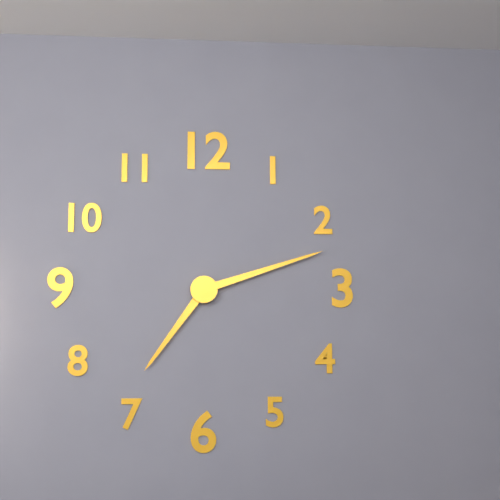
7:12
